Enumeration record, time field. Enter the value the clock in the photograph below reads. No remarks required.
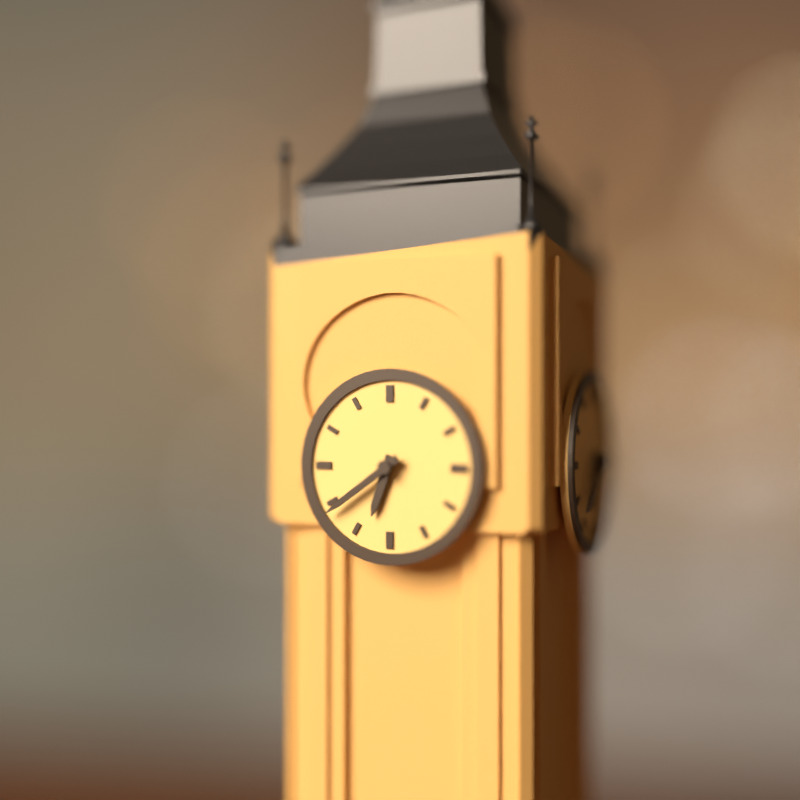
6:39
